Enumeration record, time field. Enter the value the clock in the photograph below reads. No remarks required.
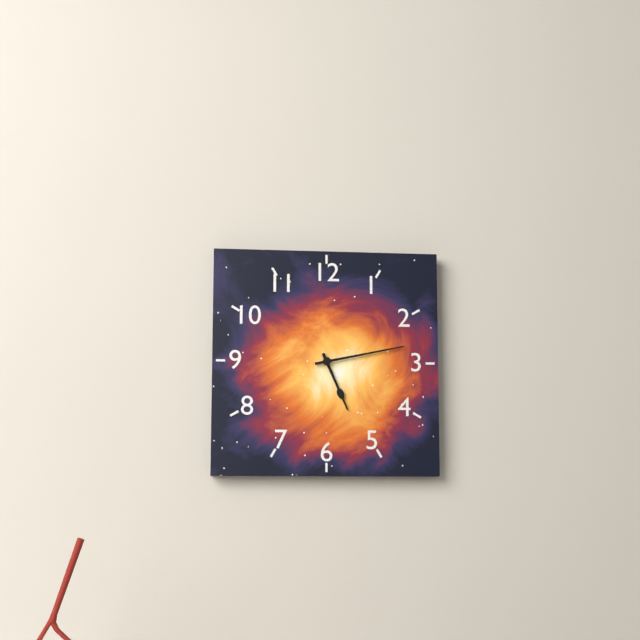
5:13
